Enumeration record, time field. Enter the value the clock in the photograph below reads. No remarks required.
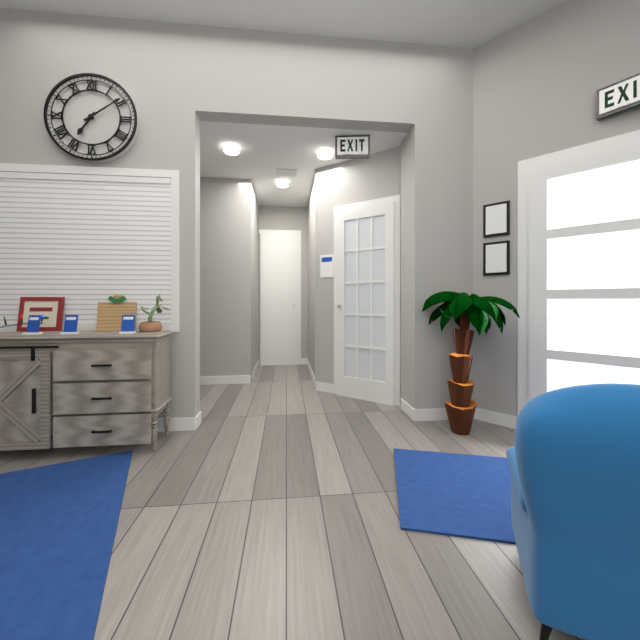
7:09
